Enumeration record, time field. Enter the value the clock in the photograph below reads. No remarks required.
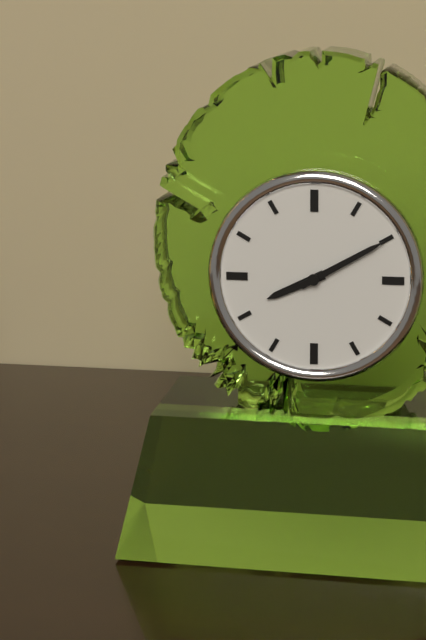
8:10
